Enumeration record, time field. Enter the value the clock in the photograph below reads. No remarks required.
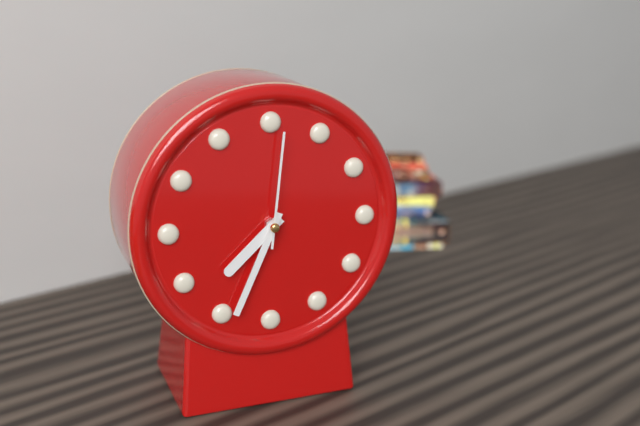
7:34:01
